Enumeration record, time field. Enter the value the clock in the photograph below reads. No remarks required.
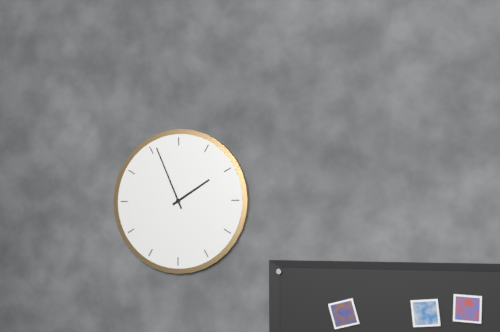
1:56
